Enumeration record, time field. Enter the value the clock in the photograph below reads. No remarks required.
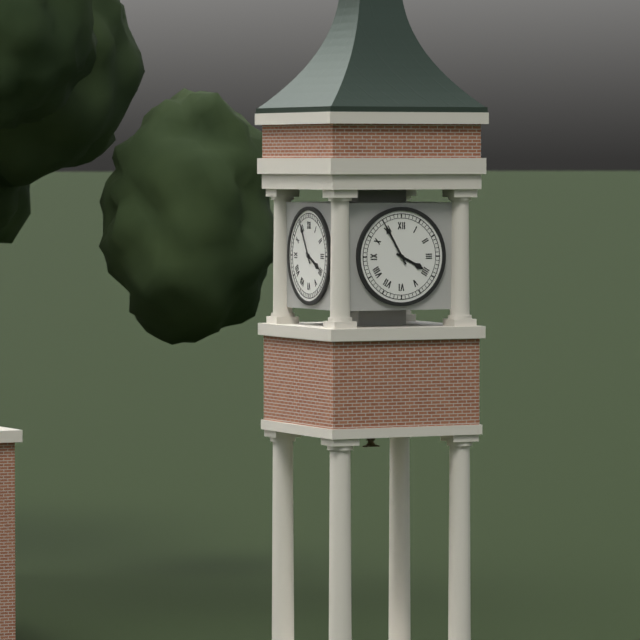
3:55
